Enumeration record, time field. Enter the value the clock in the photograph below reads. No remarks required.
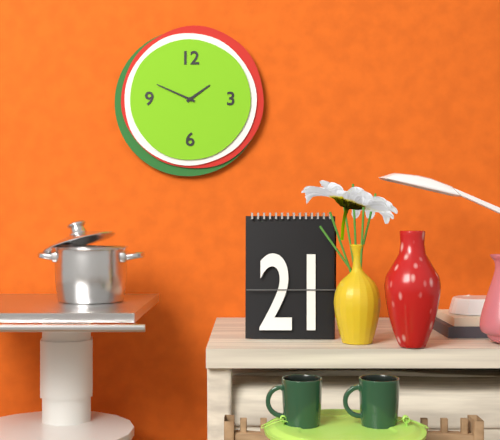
1:49
